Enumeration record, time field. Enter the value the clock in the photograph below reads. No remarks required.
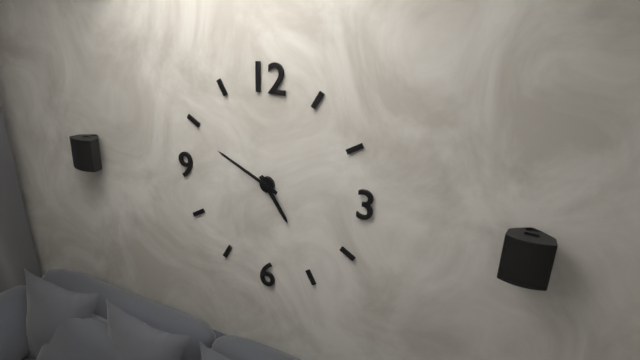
4:49
